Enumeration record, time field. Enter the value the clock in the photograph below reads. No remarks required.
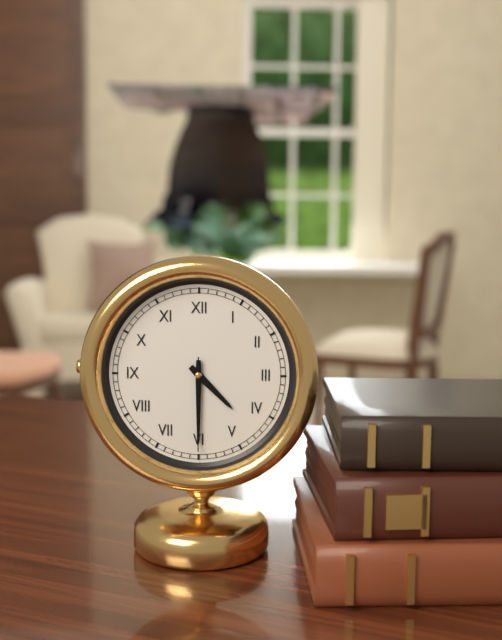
4:30:30
